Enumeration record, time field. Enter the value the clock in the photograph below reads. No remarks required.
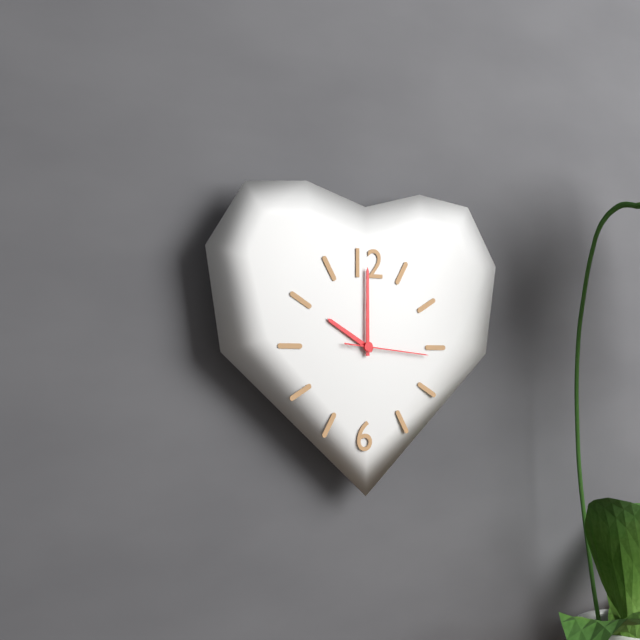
10:00:16
